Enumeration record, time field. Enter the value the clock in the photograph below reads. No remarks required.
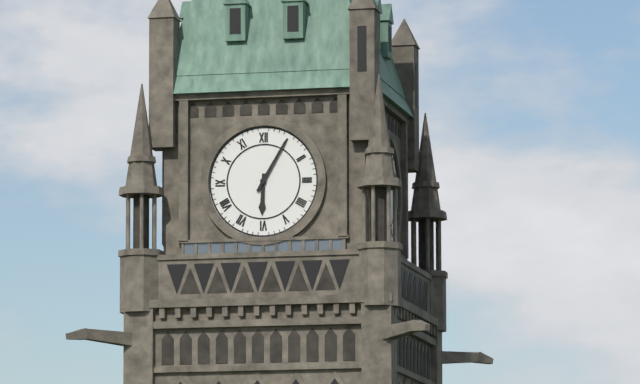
6:05
